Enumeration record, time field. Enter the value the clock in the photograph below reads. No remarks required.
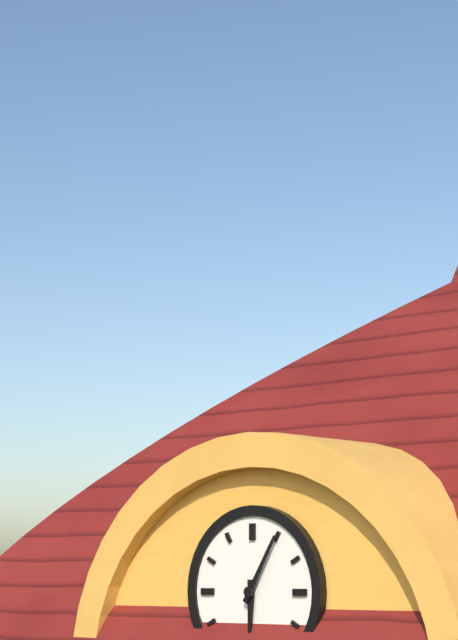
6:05
